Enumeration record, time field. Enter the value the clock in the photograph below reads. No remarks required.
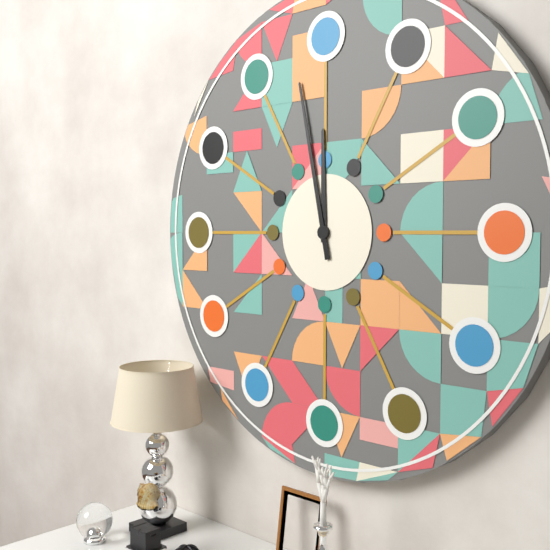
11:58
